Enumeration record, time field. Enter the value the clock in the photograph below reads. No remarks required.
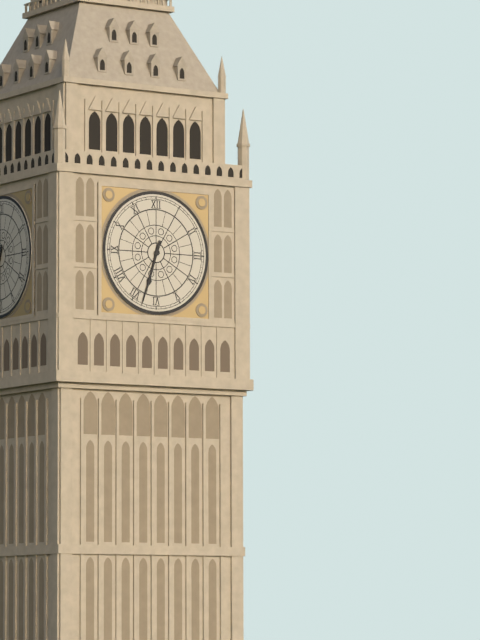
6:33
